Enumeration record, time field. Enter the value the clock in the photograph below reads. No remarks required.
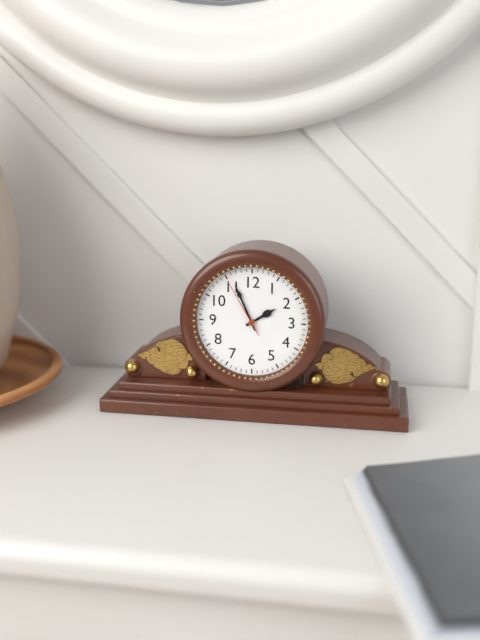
1:56:55
